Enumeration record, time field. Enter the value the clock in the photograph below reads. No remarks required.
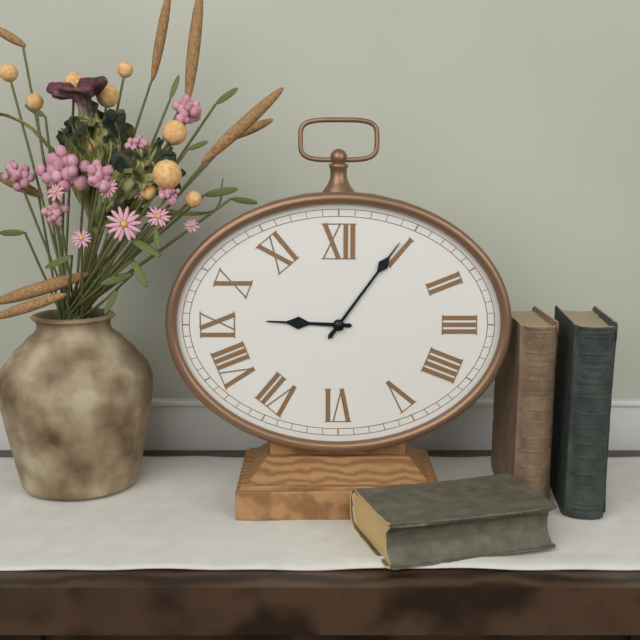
9:06
